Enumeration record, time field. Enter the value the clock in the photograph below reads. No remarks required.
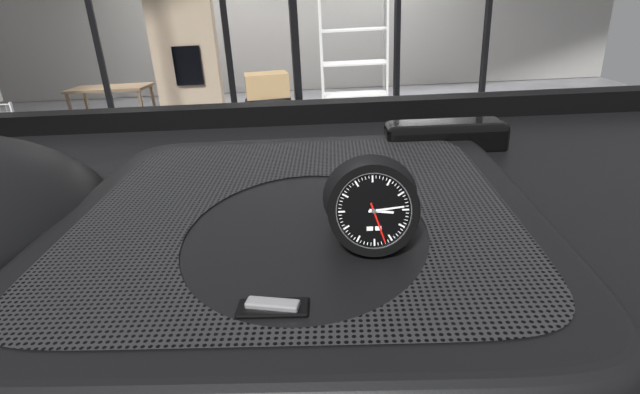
3:14
